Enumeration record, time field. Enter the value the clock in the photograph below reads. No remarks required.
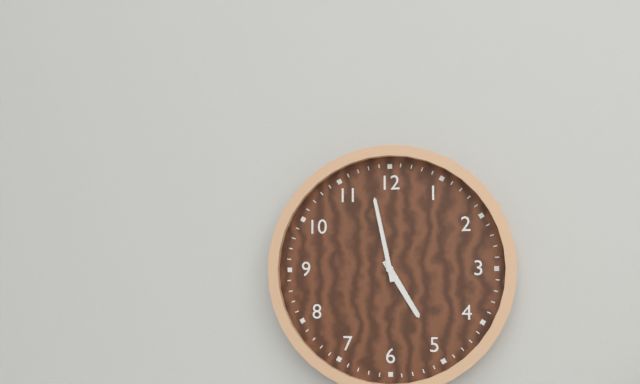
4:58
